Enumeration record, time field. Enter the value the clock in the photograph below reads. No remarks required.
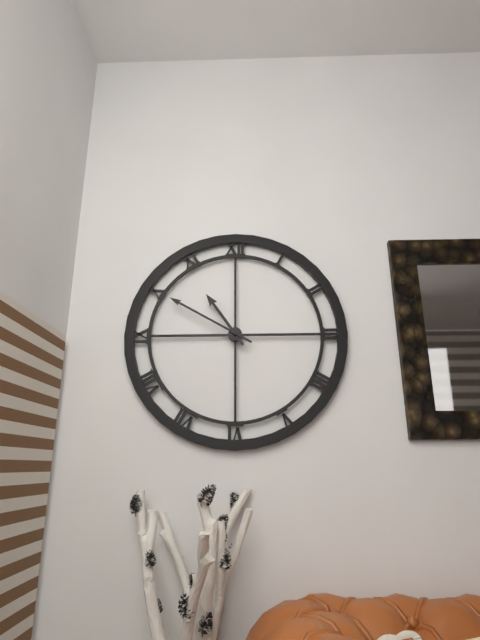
10:50
